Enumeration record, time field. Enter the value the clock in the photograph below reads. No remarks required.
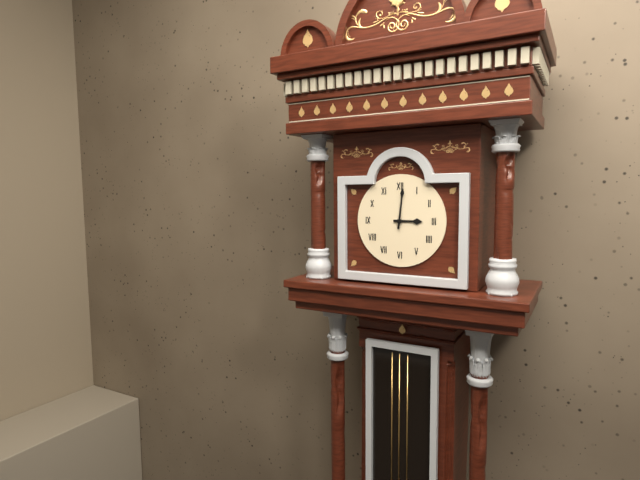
3:01
